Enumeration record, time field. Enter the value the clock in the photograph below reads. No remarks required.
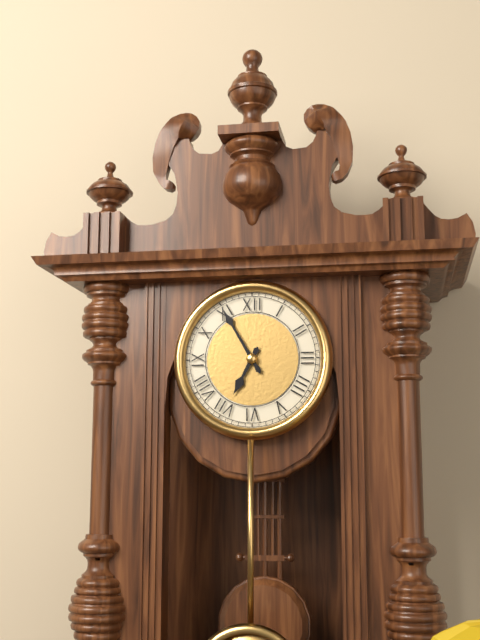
6:55
